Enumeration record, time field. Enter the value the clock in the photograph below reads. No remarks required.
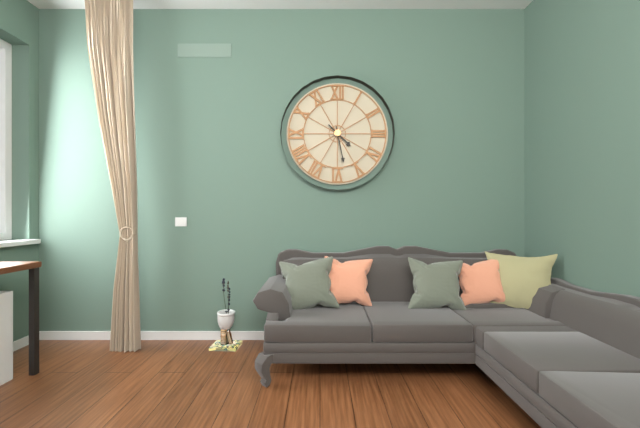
4:28
